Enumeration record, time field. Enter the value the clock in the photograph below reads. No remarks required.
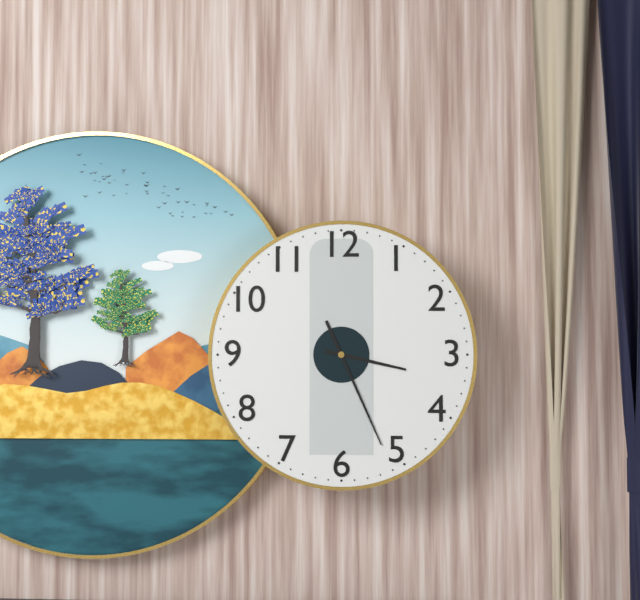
3:26
